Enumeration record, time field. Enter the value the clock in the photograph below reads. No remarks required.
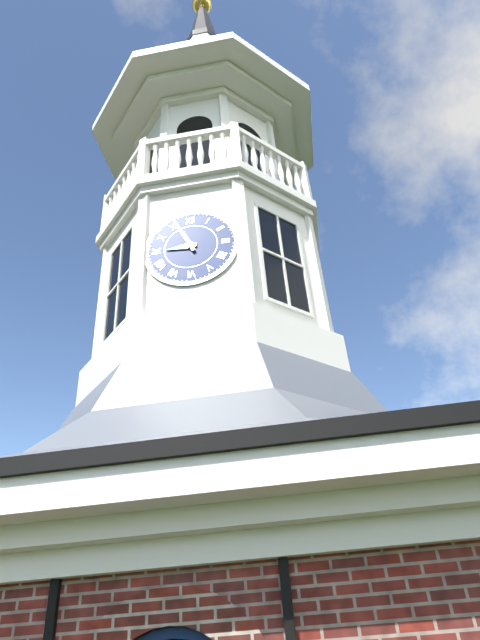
8:56
